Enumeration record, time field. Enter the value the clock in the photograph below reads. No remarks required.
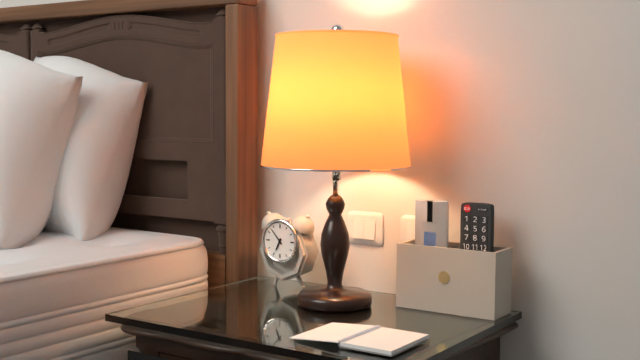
6:53
